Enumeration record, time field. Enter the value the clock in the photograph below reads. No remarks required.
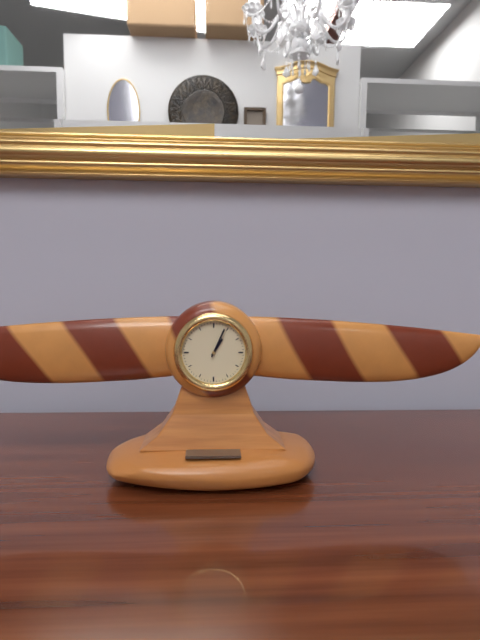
1:04
